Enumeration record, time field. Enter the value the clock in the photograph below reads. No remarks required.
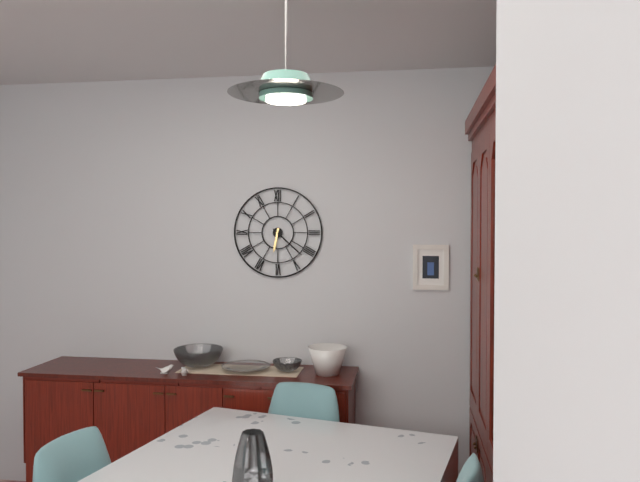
6:22
